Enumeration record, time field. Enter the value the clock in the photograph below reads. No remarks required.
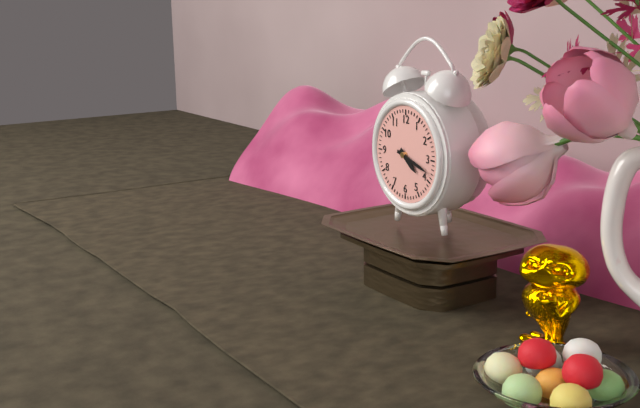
4:18
